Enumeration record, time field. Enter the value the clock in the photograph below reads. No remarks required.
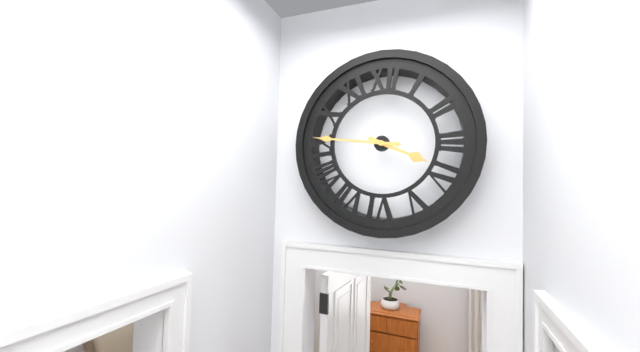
3:46
